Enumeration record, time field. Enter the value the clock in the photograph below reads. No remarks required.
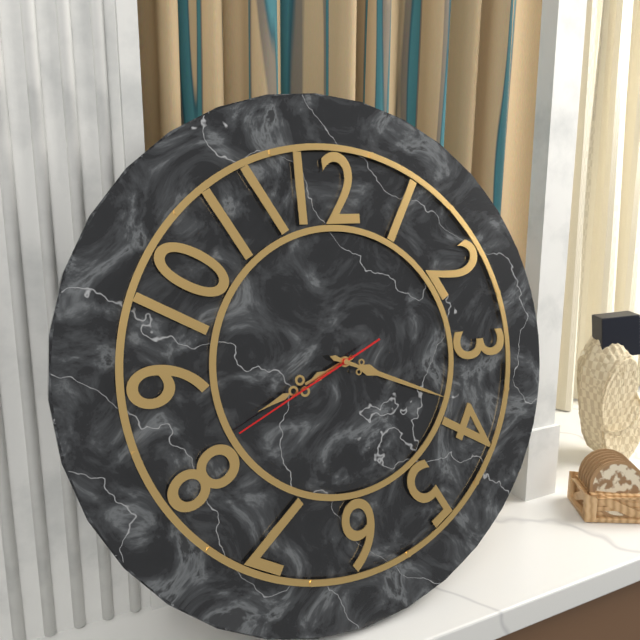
8:19:41
